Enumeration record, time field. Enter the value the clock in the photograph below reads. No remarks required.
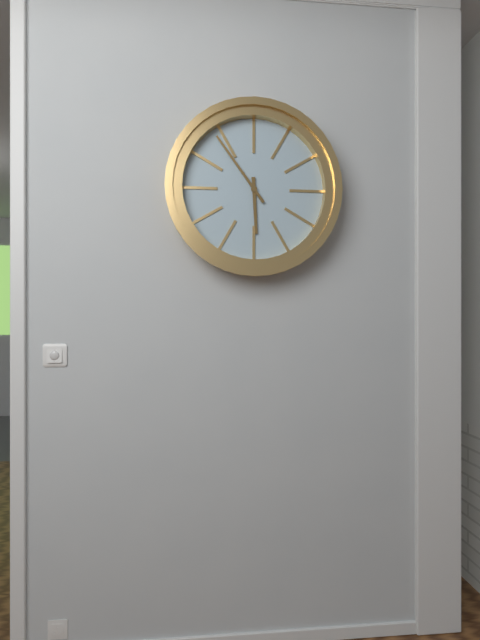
5:54
